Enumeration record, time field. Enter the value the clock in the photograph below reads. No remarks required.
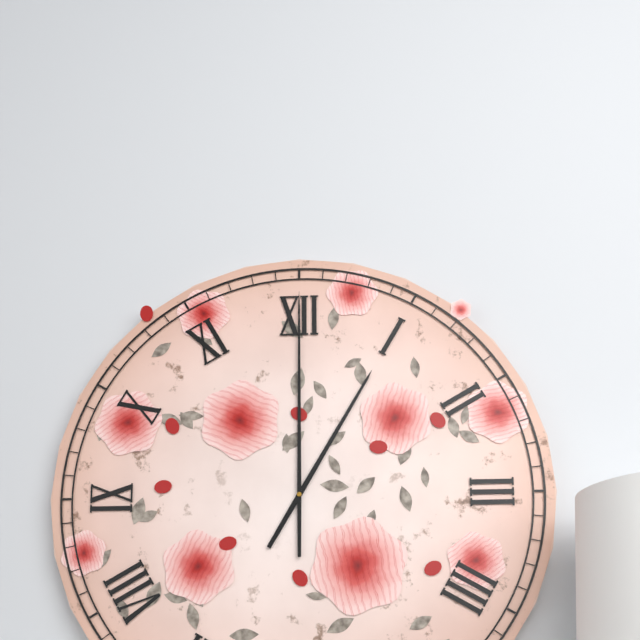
1:00
